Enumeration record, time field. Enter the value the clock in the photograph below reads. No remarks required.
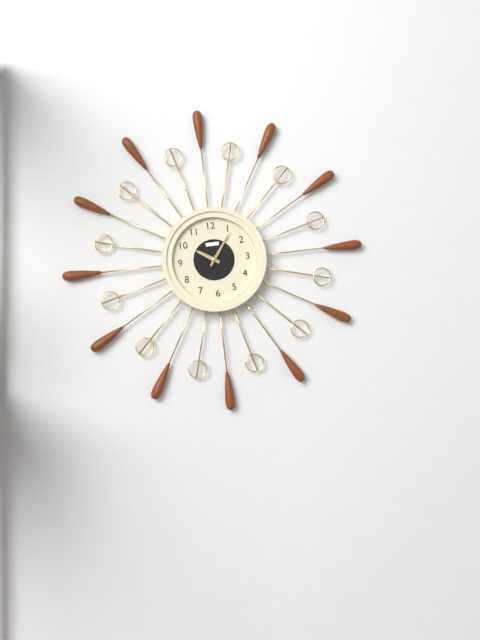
10:06
